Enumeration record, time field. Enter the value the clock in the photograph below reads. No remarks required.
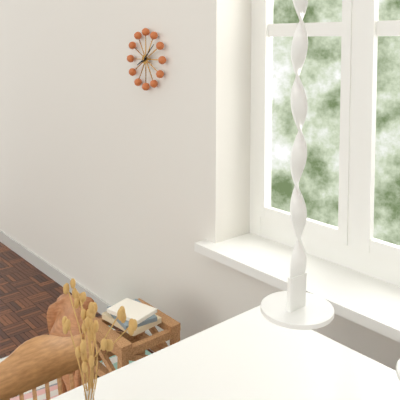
8:08
